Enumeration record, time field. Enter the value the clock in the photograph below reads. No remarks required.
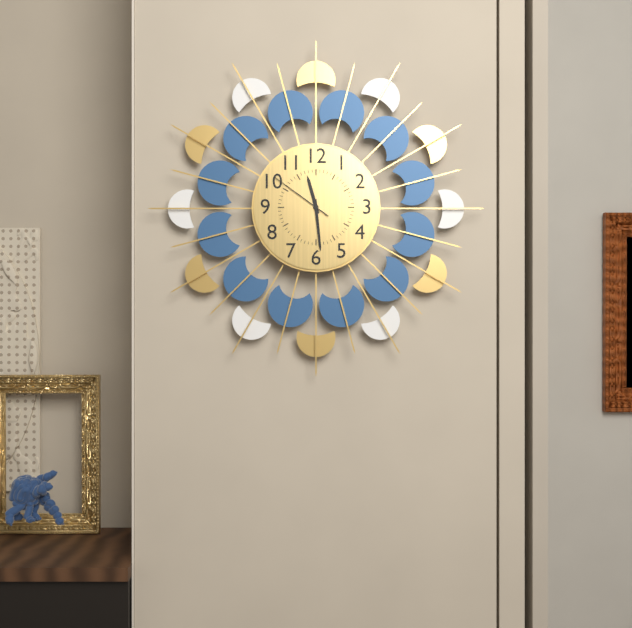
11:29:51
